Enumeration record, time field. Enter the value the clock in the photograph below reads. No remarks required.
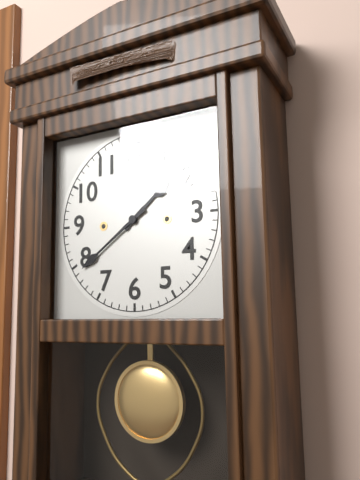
1:39
